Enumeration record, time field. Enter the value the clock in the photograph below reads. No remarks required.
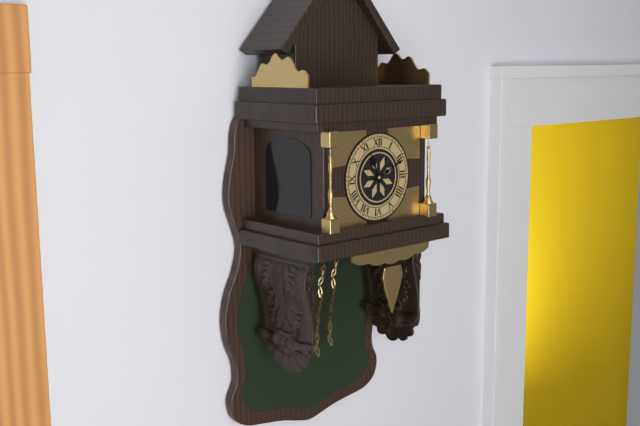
11:11
